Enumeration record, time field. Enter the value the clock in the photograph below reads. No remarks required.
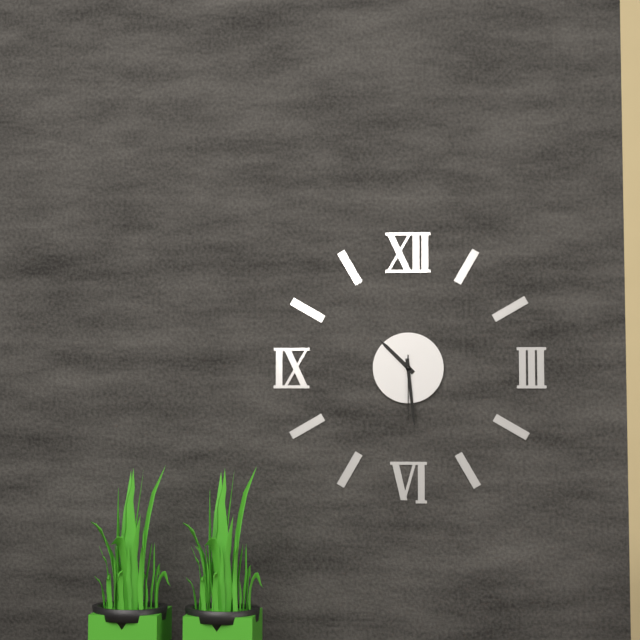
10:29:30
